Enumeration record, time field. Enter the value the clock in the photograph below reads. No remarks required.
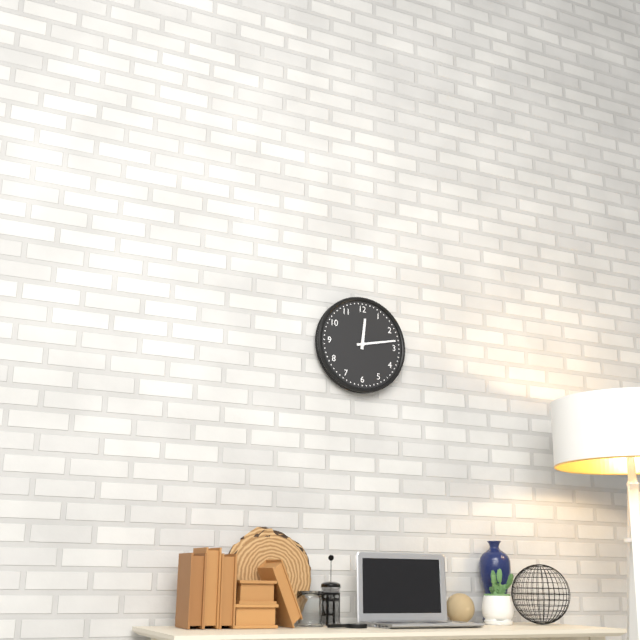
12:13
